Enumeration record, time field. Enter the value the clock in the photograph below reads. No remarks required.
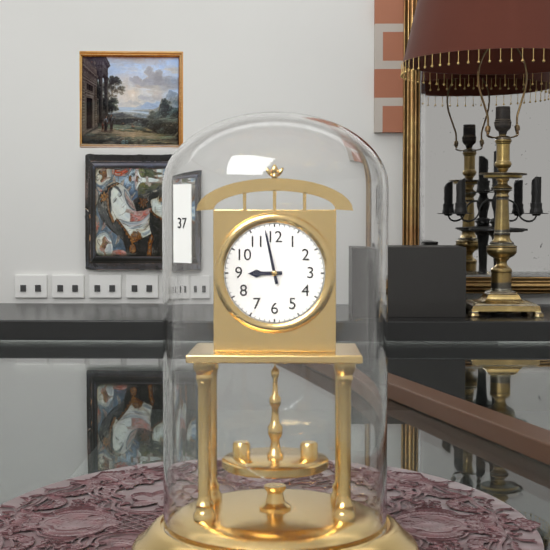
8:58
